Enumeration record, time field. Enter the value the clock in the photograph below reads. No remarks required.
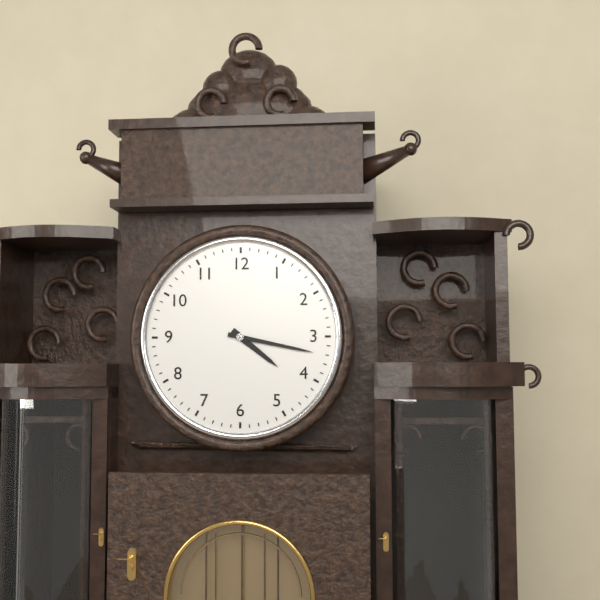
4:17
